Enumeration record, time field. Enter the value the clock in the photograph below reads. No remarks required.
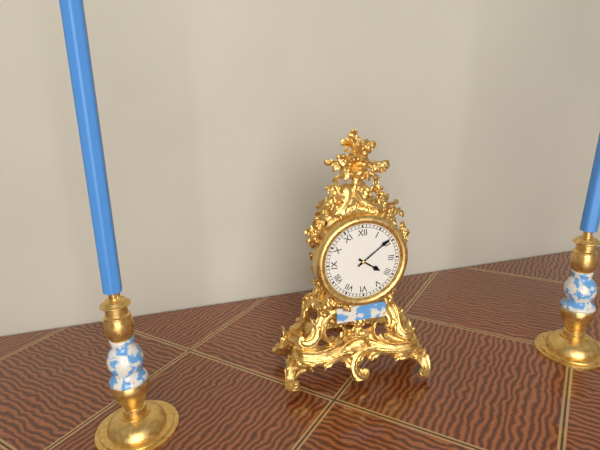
4:09
